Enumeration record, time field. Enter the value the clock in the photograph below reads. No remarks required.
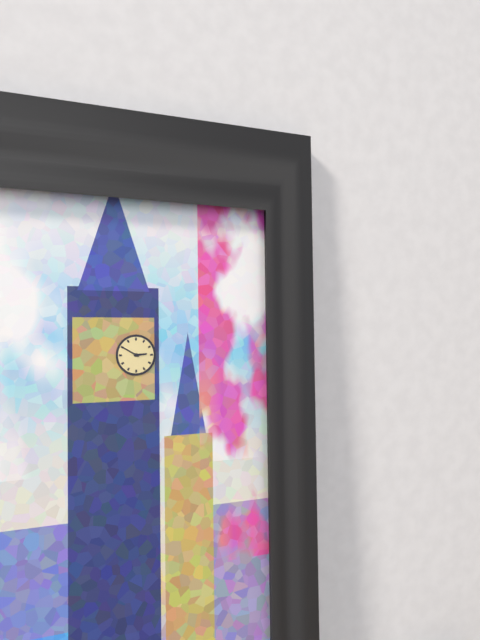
2:50
